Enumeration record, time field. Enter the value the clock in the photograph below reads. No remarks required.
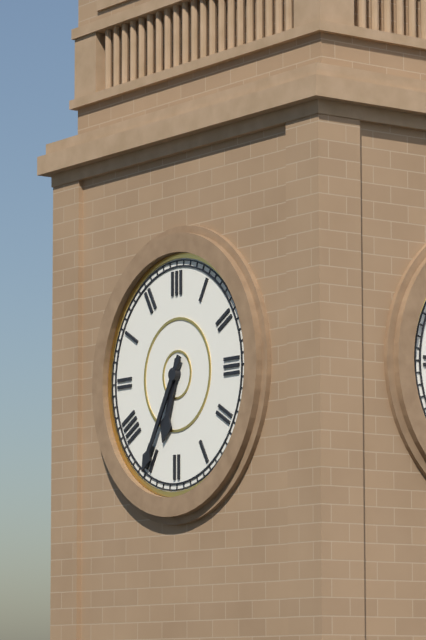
6:35
